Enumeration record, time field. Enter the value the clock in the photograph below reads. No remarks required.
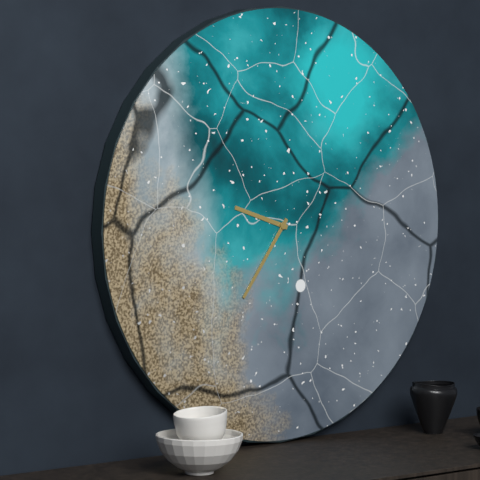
9:36
